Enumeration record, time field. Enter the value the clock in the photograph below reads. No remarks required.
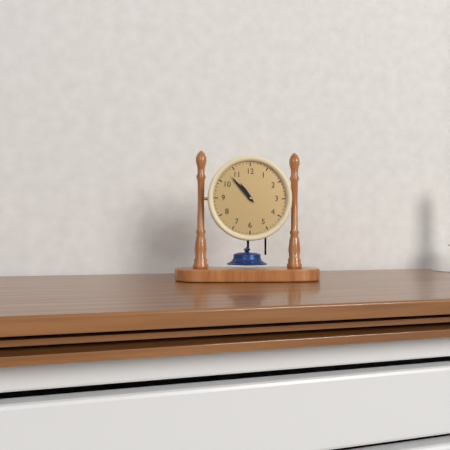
10:53
